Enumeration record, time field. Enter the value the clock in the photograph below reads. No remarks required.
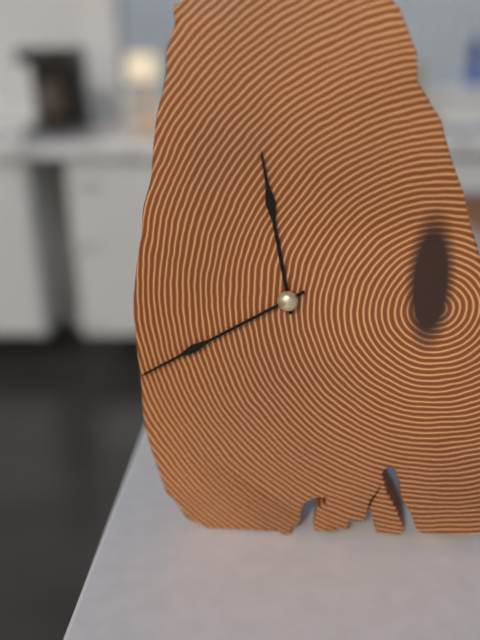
11:40
